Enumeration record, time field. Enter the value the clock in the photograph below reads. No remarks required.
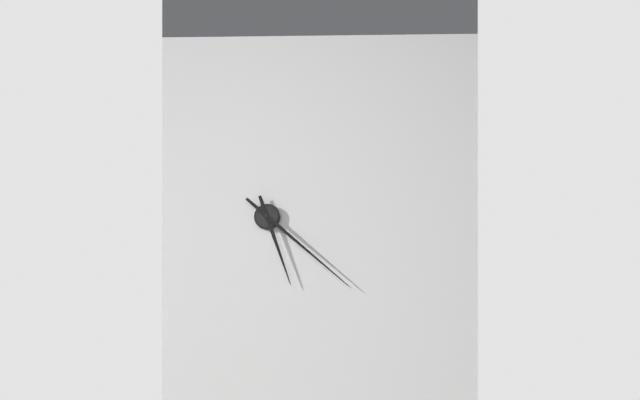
5:22
